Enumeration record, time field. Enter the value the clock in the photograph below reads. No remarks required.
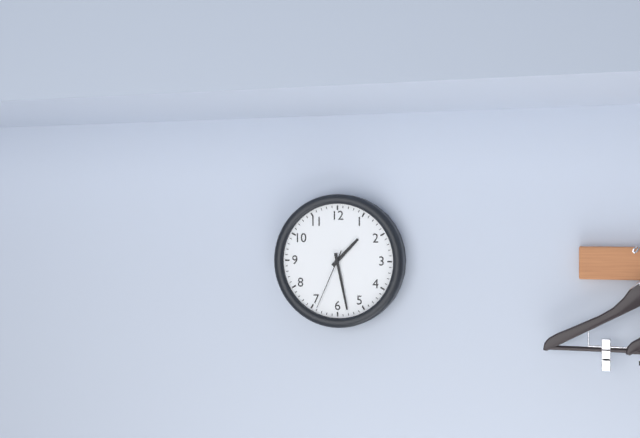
1:28:34
